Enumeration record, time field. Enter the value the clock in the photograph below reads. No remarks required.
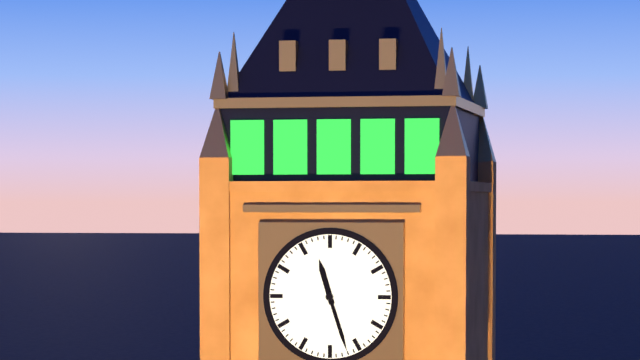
11:27
